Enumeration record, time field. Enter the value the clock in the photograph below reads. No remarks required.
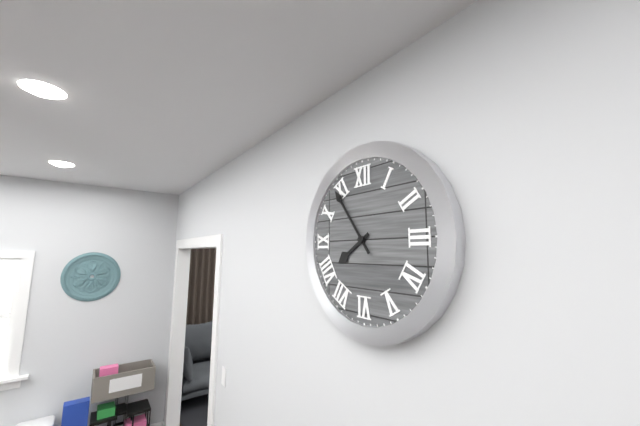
7:54
